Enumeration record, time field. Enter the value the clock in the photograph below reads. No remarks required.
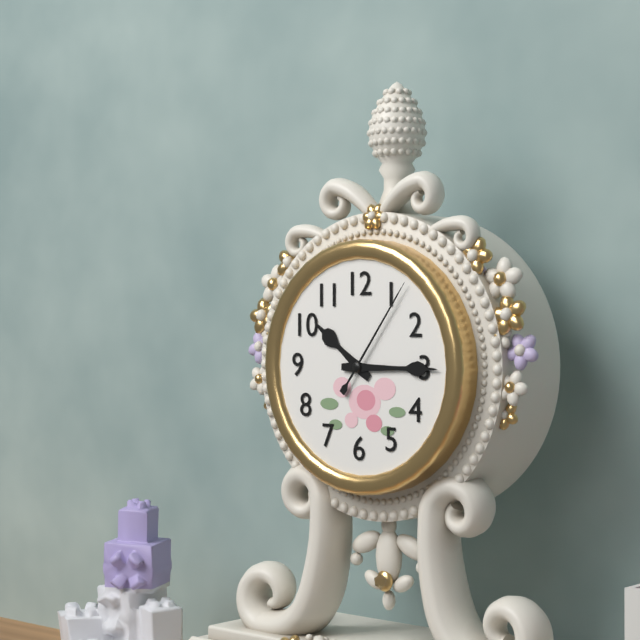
10:15:06
